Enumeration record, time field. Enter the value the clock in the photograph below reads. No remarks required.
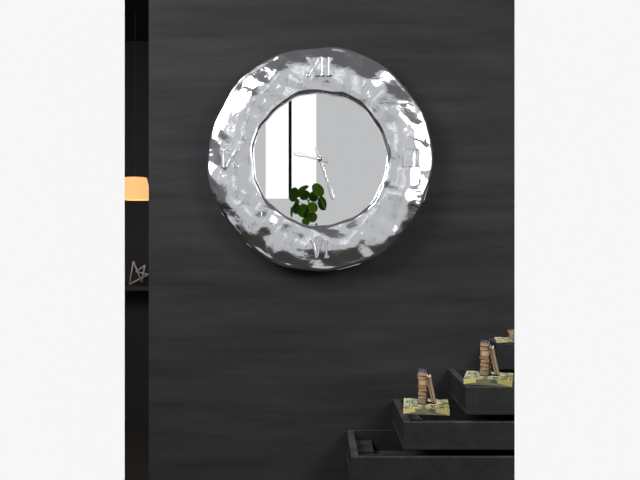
9:27
